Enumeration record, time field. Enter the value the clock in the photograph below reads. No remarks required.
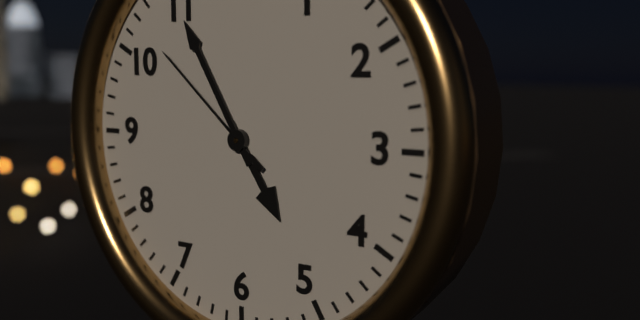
4:55:52
